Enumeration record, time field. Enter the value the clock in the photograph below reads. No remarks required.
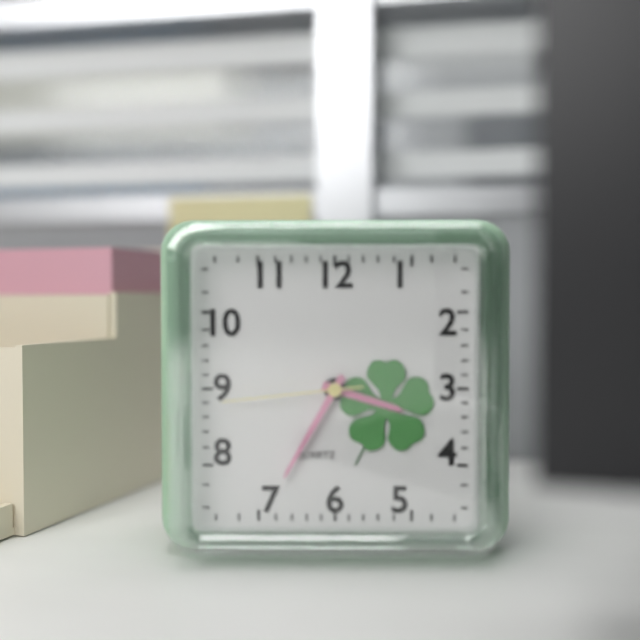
3:35:44
